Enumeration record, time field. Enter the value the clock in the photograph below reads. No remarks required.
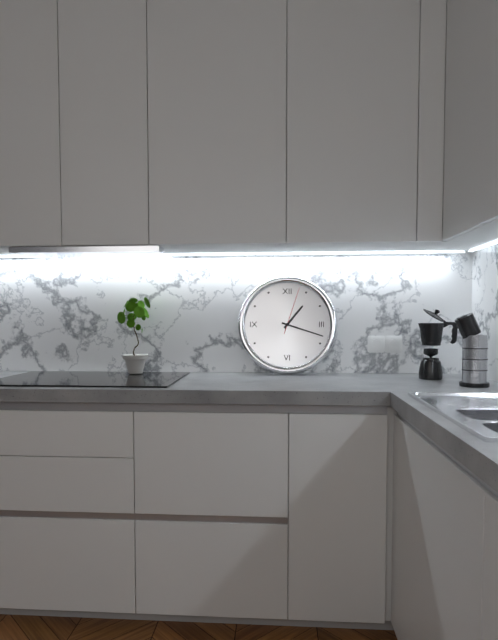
1:18
